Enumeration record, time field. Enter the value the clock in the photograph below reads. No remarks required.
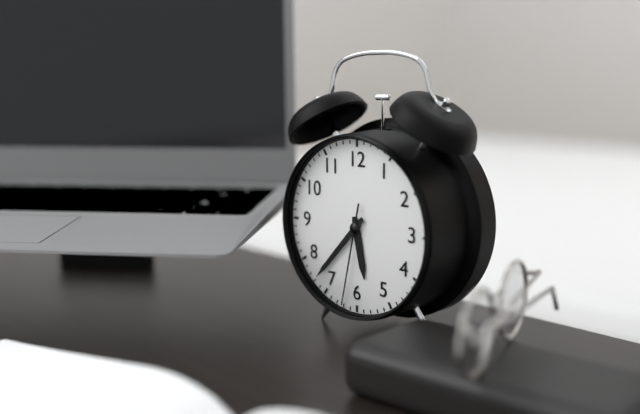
5:37:32
